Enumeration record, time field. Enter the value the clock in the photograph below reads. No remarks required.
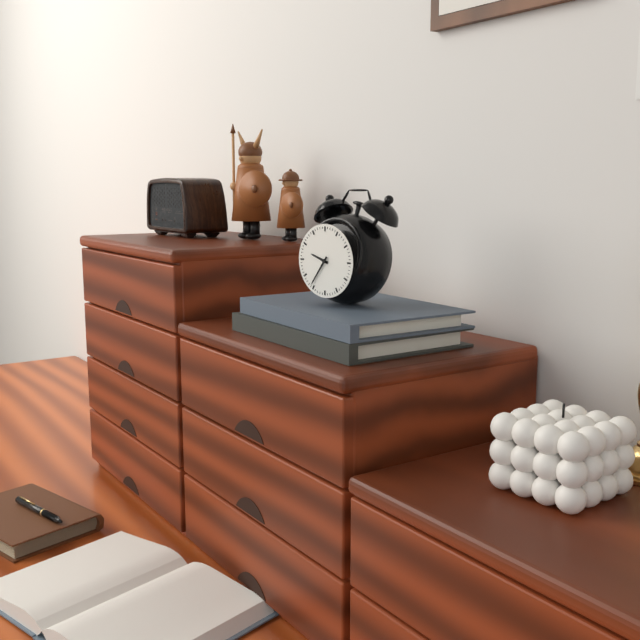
9:36
